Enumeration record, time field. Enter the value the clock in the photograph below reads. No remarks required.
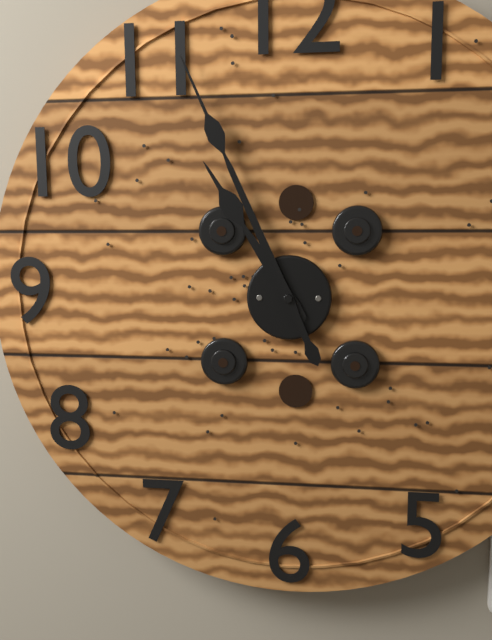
10:56
